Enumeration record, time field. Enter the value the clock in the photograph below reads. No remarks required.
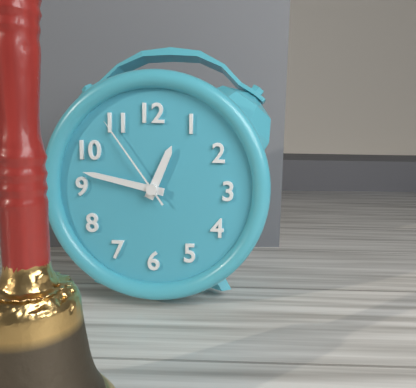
12:47:54
